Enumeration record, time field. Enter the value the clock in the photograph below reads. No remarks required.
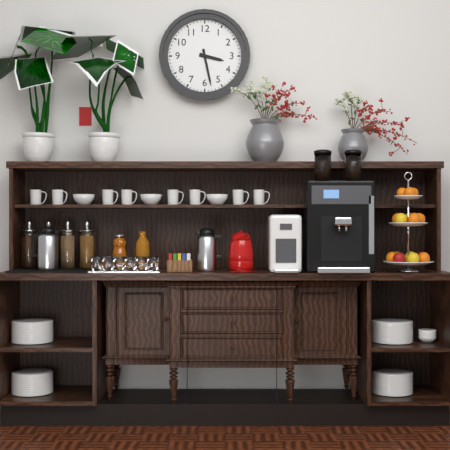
3:28
